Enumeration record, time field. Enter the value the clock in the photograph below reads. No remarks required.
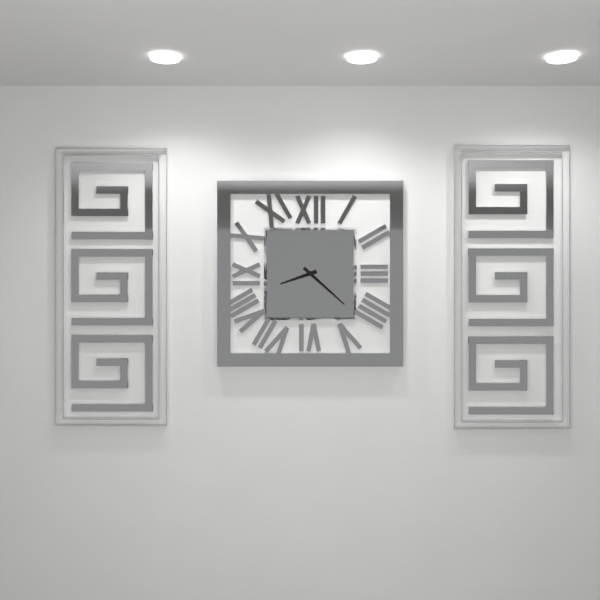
8:22
